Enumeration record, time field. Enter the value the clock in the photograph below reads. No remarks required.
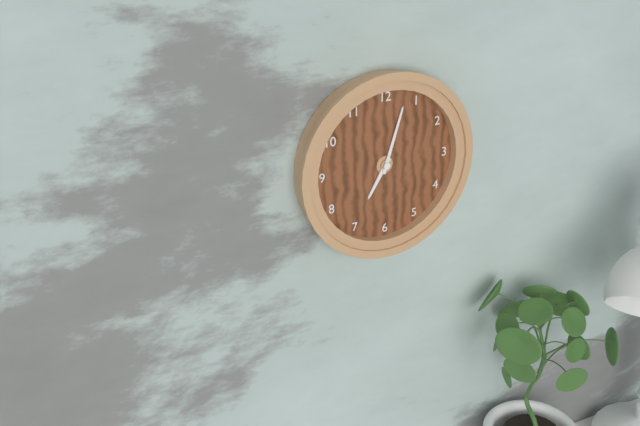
7:03
